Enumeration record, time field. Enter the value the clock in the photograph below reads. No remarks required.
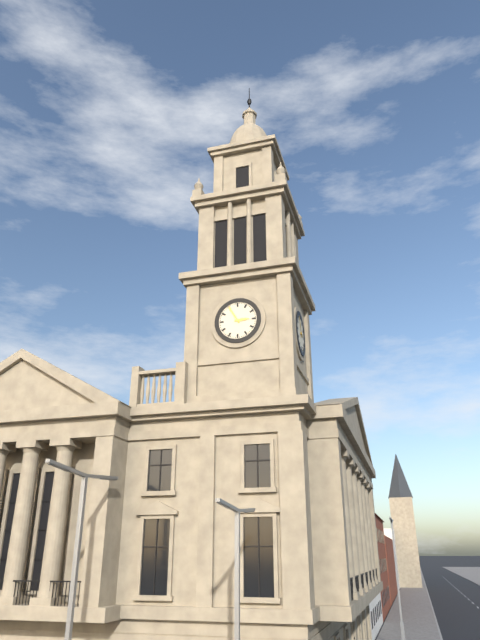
2:55
